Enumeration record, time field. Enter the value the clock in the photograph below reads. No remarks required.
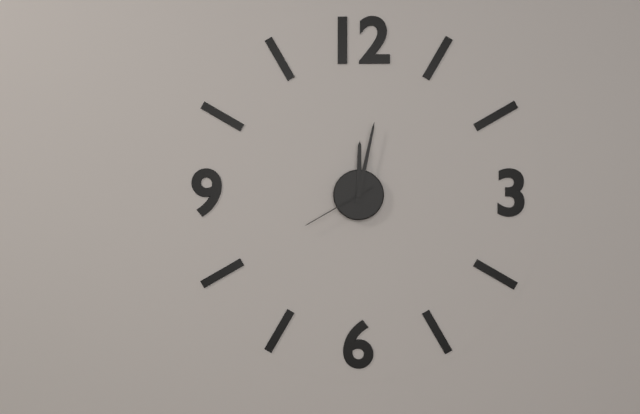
12:02:40
